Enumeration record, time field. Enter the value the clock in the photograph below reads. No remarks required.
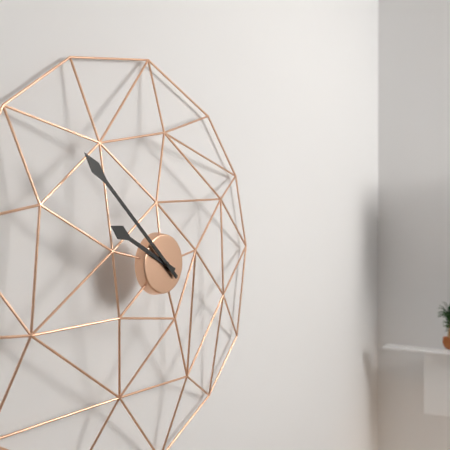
9:52
